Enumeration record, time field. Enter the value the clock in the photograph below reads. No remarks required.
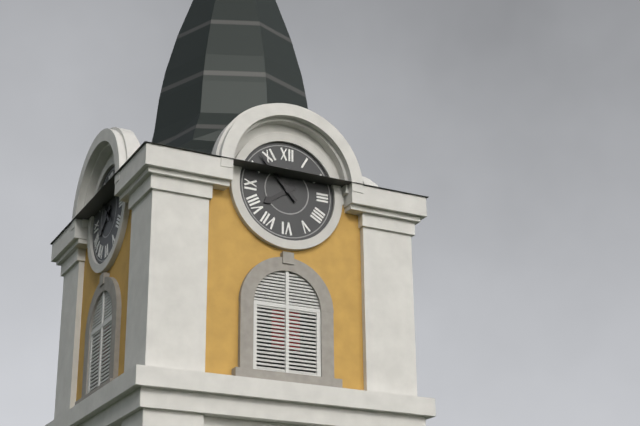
7:53
